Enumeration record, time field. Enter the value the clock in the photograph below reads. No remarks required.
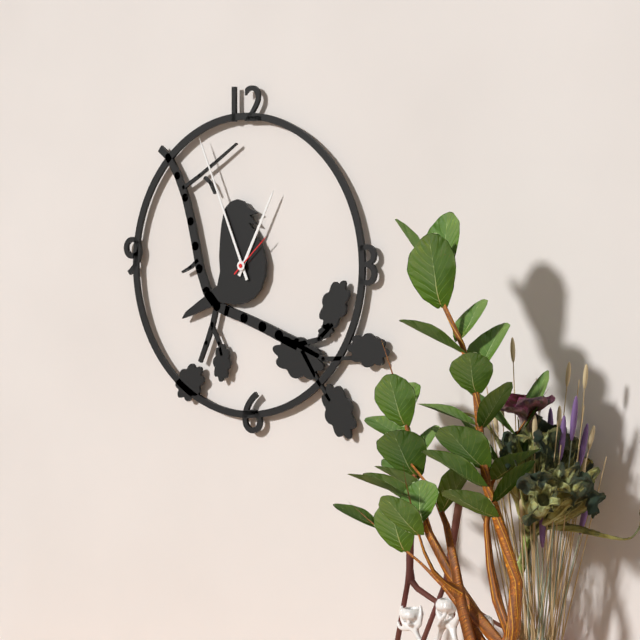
12:56
